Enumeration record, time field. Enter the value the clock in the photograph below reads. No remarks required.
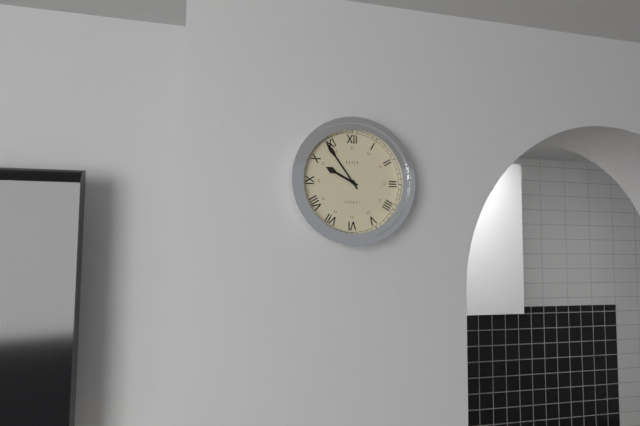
9:54
